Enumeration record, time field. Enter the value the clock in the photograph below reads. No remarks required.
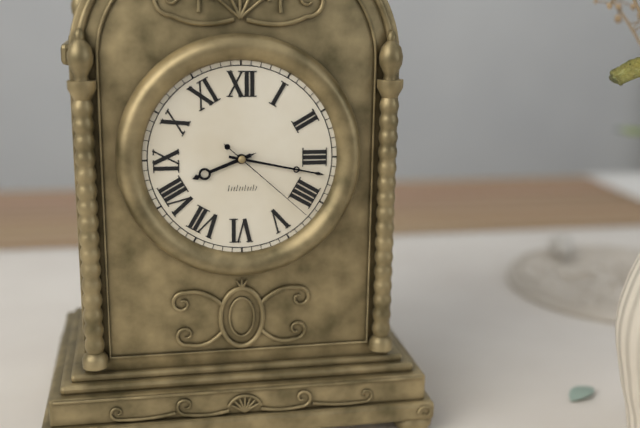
8:17:22
